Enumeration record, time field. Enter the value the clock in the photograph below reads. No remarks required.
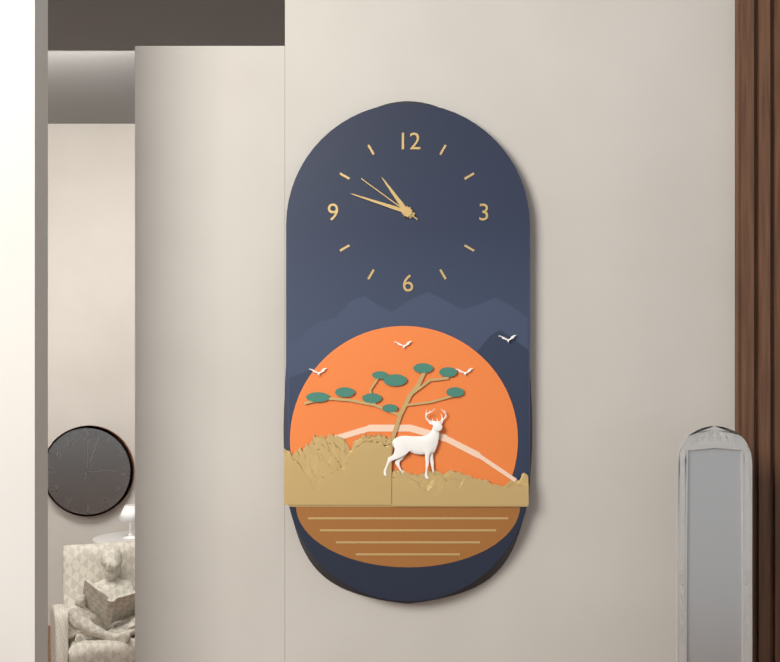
10:48:51
